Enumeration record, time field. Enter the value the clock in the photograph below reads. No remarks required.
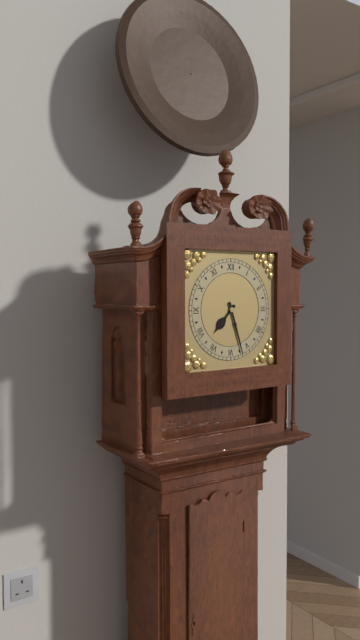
7:27
